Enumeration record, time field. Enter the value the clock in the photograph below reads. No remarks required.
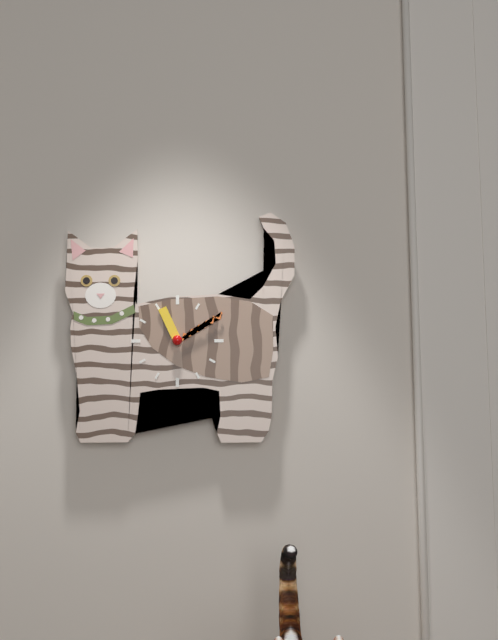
11:10
